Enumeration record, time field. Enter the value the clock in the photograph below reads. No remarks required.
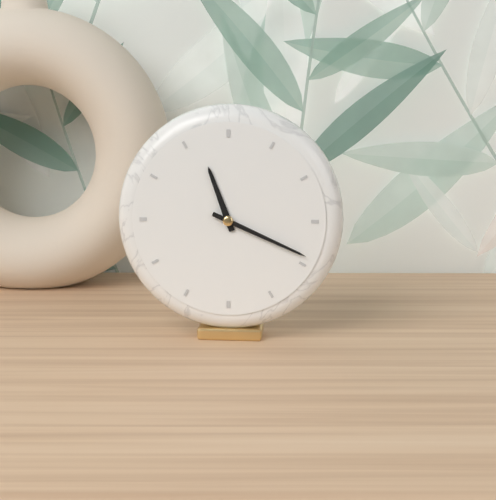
11:19
